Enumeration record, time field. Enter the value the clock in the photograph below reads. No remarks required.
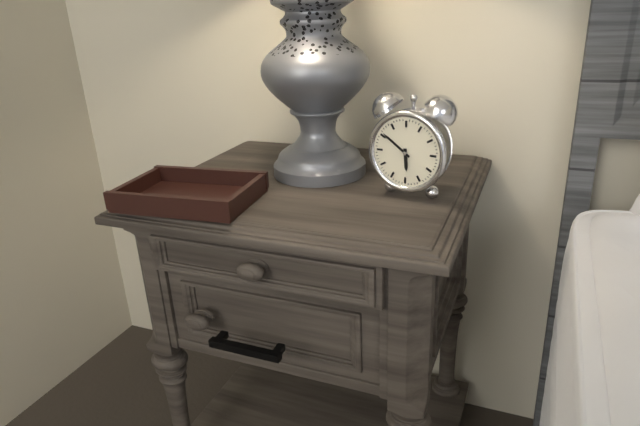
5:51
